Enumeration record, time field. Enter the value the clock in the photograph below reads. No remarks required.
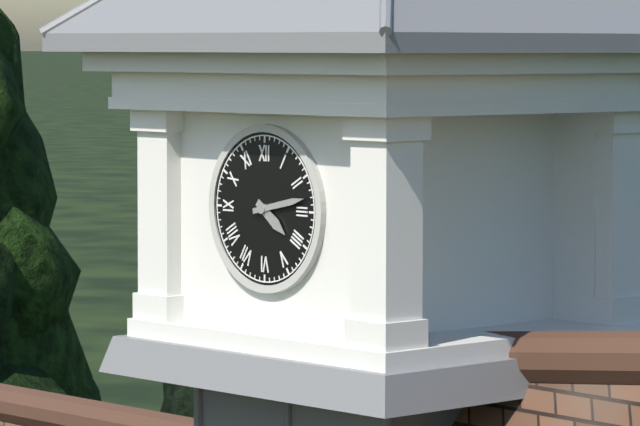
4:13
